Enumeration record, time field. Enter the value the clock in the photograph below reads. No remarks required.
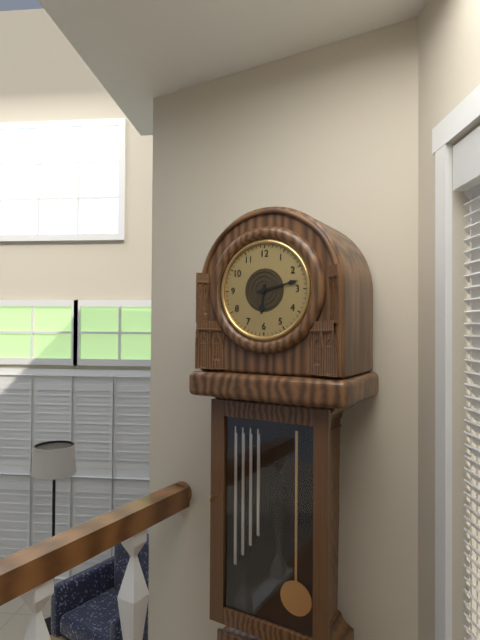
6:13
